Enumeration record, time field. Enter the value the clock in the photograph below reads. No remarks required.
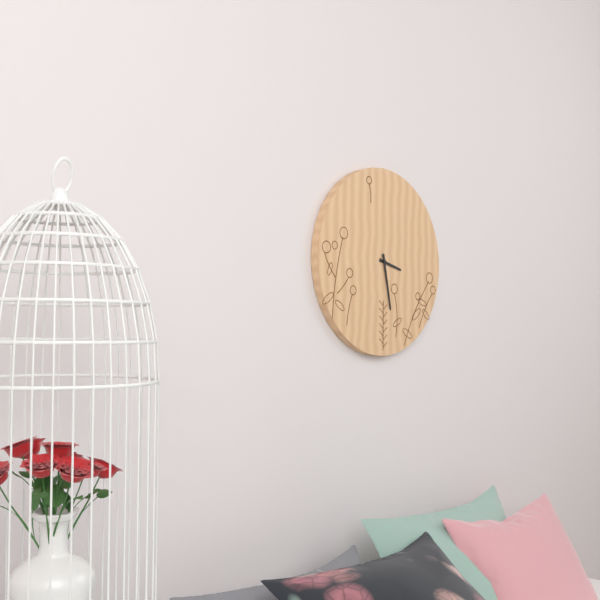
3:28
